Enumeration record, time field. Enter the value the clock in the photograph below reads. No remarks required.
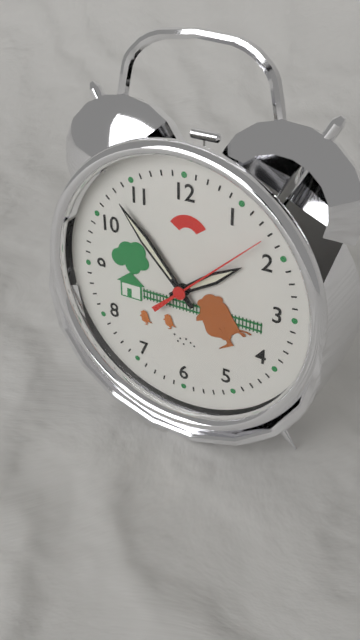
1:53:08
